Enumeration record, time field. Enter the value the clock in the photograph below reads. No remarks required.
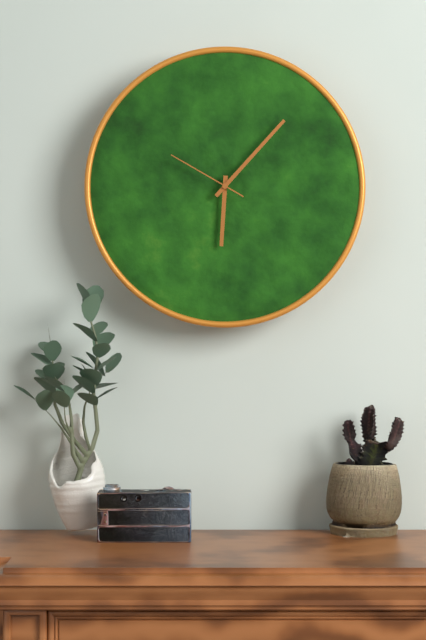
6:07:50
